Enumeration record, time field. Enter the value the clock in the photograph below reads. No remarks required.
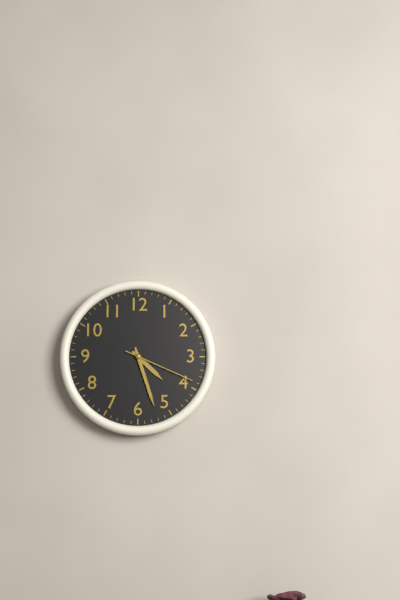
4:27:19
